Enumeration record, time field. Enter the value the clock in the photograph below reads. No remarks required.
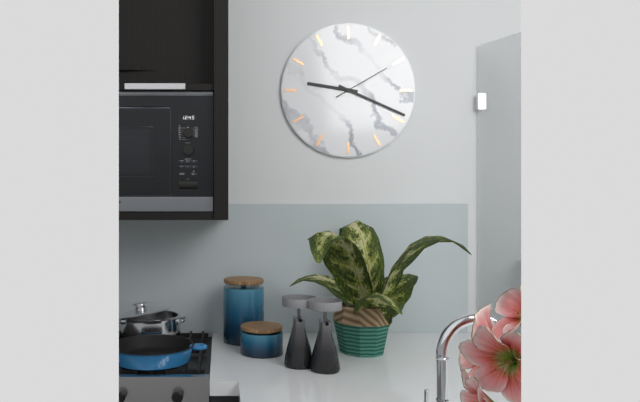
9:19:10
